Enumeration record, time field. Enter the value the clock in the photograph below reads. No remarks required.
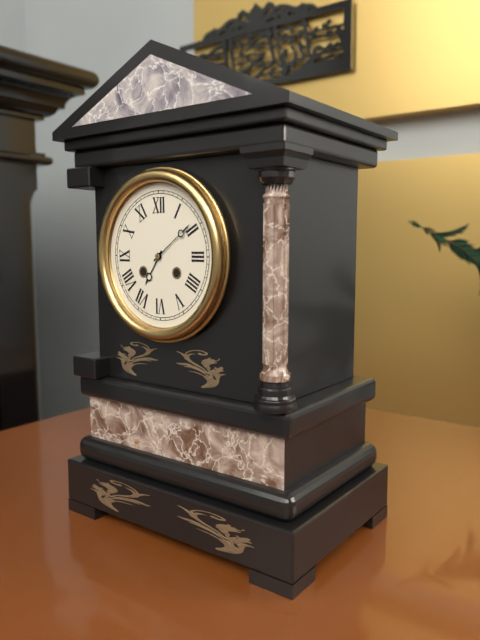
7:09
